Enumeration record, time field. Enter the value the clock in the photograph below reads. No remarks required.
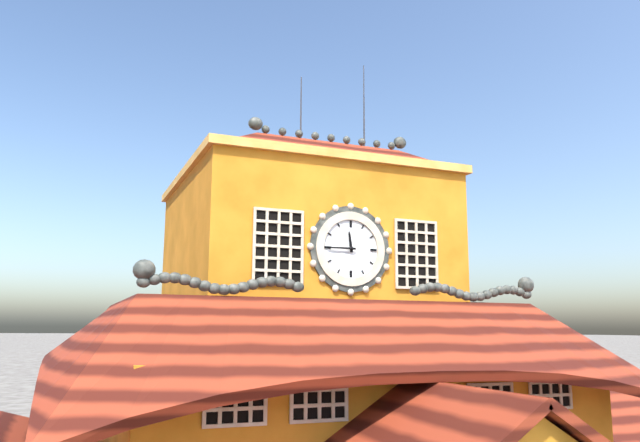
11:45
